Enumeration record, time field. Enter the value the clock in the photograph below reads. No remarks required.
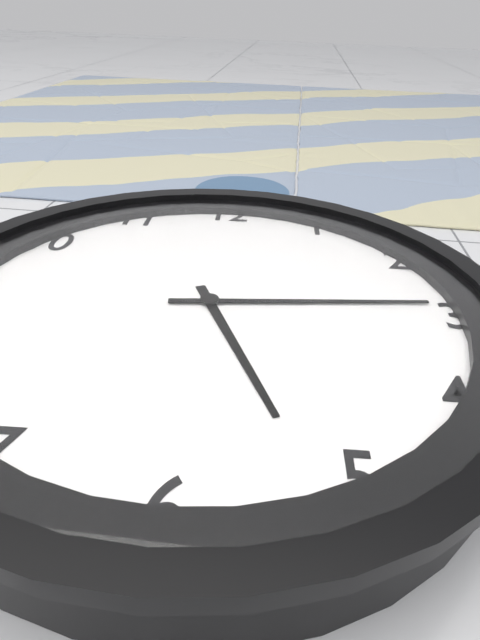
5:14
